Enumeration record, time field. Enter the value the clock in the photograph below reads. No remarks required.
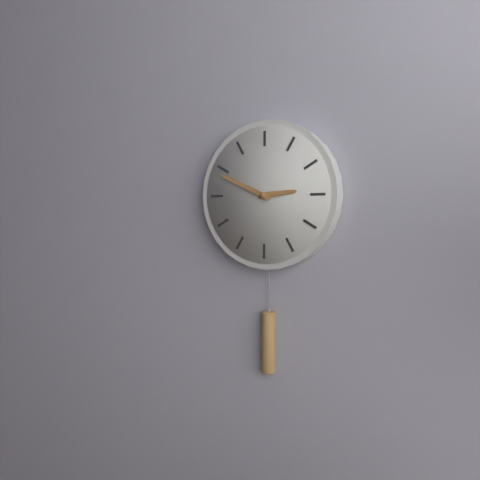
2:49
